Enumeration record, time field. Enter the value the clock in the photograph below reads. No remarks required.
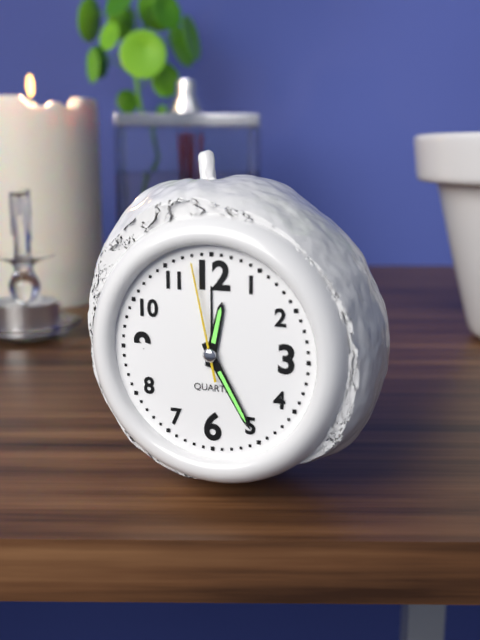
12:25:58
